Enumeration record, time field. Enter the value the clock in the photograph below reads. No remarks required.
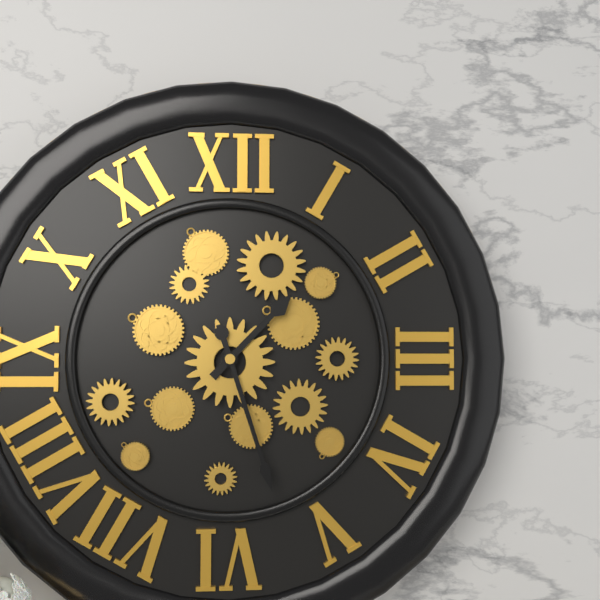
1:27
